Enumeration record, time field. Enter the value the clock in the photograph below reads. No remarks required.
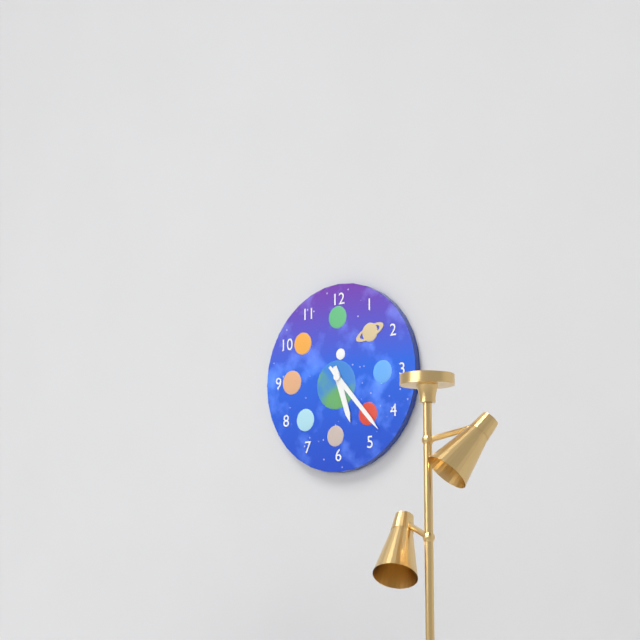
5:23
